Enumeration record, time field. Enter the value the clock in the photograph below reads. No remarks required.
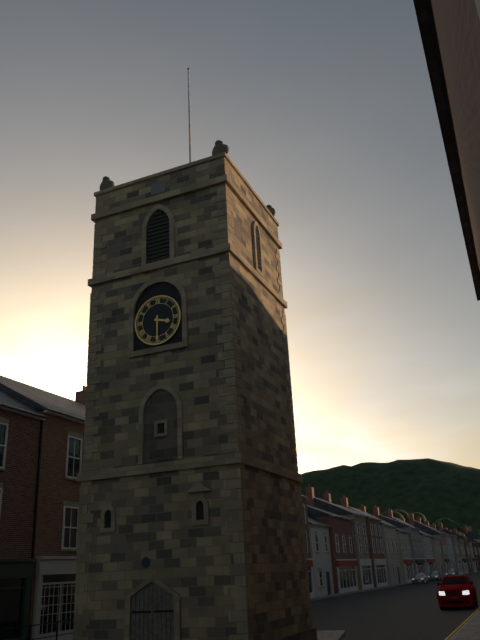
3:30
